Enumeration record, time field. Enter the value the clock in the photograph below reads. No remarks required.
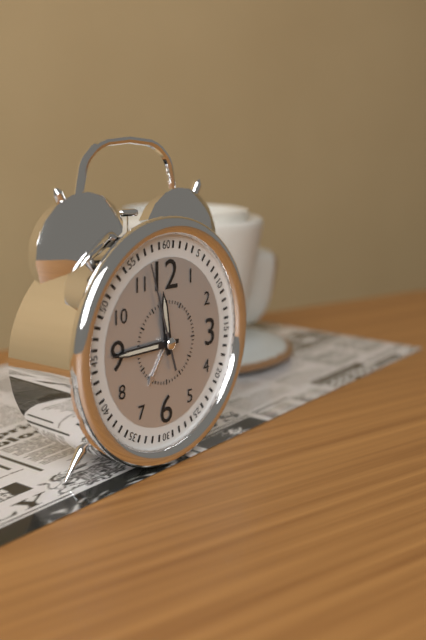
11:45:57
